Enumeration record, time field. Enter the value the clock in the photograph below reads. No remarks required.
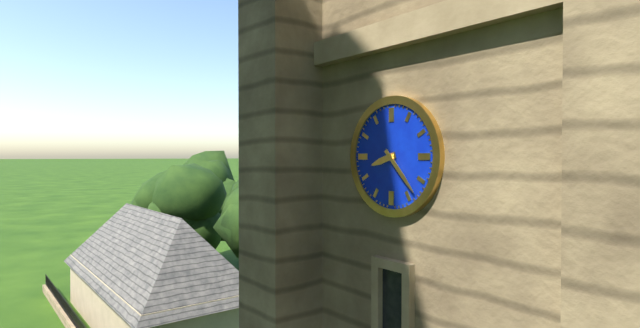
8:23
